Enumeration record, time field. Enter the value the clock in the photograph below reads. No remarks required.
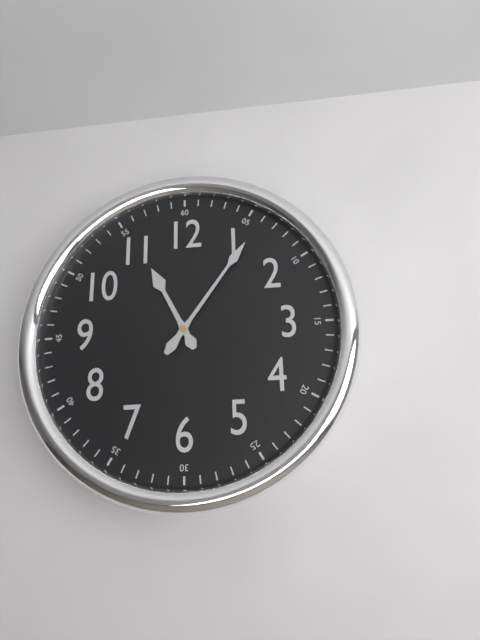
11:06
